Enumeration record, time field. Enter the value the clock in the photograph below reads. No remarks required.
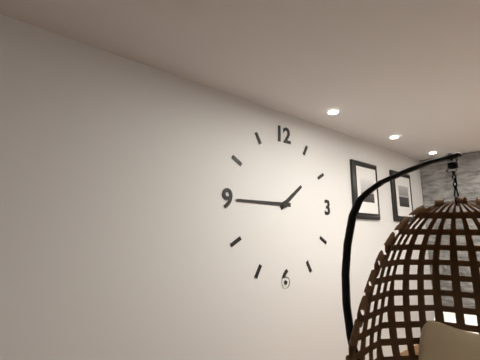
1:45
